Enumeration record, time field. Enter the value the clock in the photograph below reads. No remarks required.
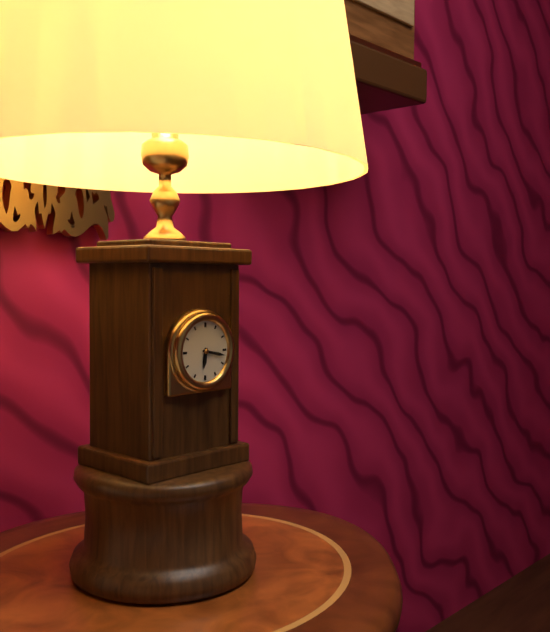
6:17
